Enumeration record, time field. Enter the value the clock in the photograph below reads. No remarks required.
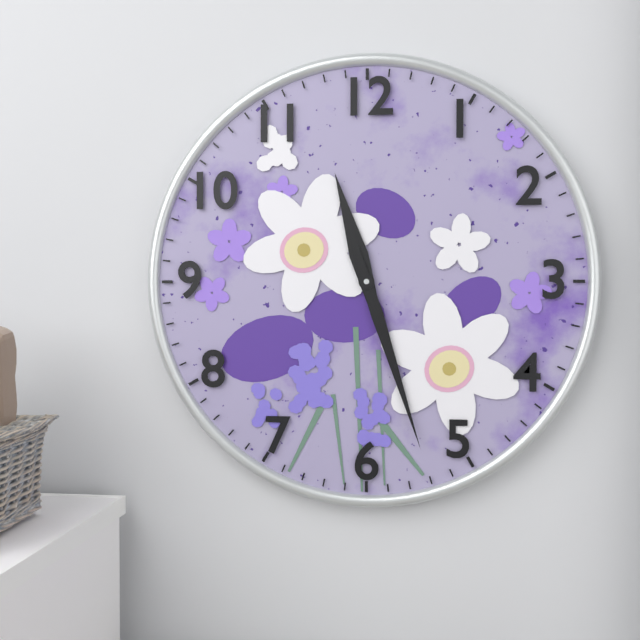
11:27
